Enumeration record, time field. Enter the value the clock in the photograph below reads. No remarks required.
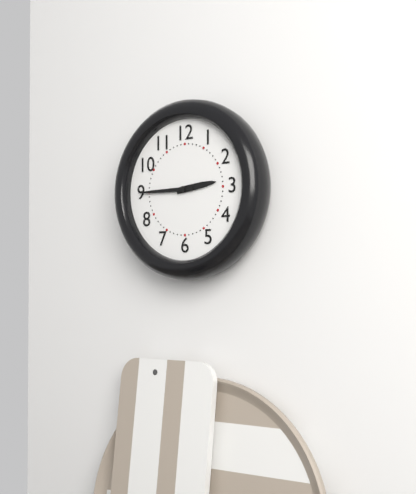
2:45
